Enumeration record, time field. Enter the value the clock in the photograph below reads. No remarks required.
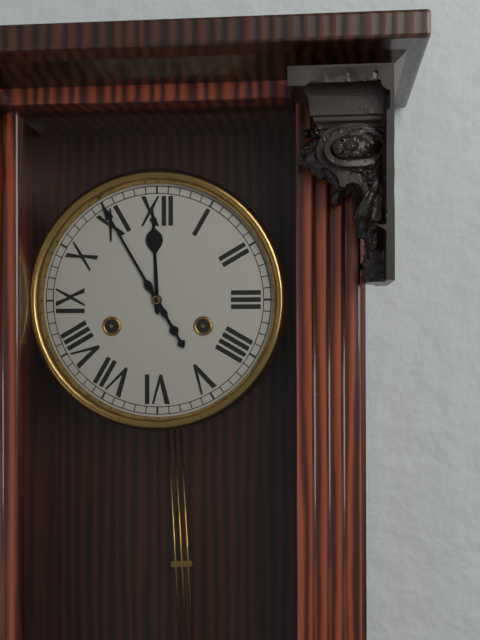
11:55
